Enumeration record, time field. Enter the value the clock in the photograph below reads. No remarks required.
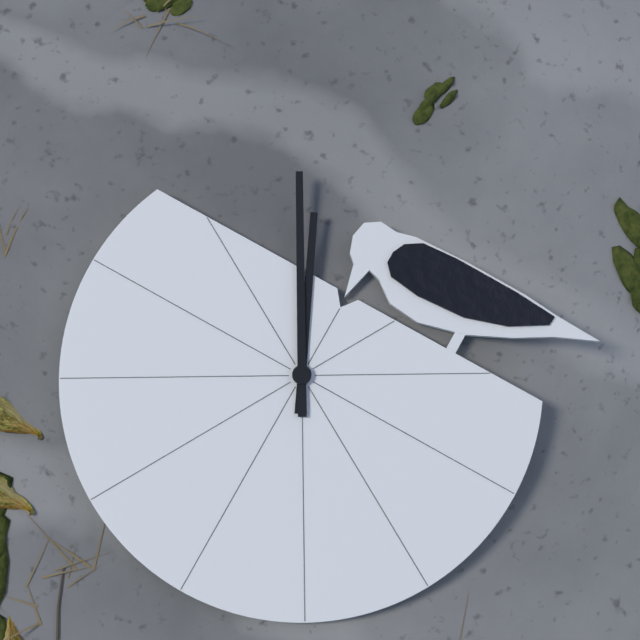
2:10
